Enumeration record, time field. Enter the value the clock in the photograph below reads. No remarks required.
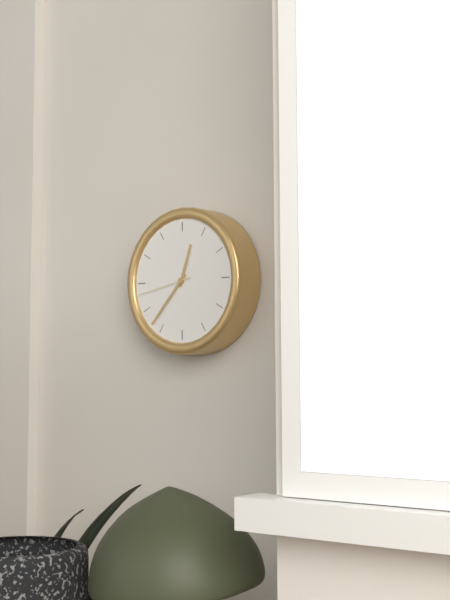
12:37:43
